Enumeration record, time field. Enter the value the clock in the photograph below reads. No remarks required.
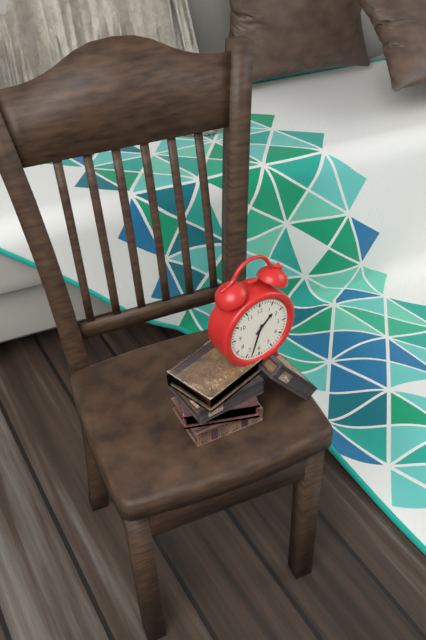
1:33
